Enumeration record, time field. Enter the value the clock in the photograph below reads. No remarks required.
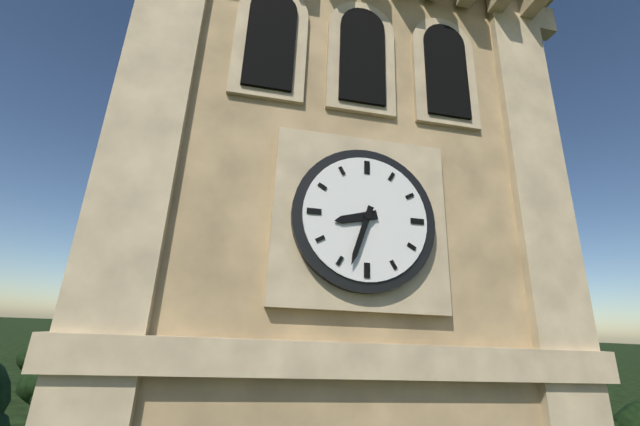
8:33
